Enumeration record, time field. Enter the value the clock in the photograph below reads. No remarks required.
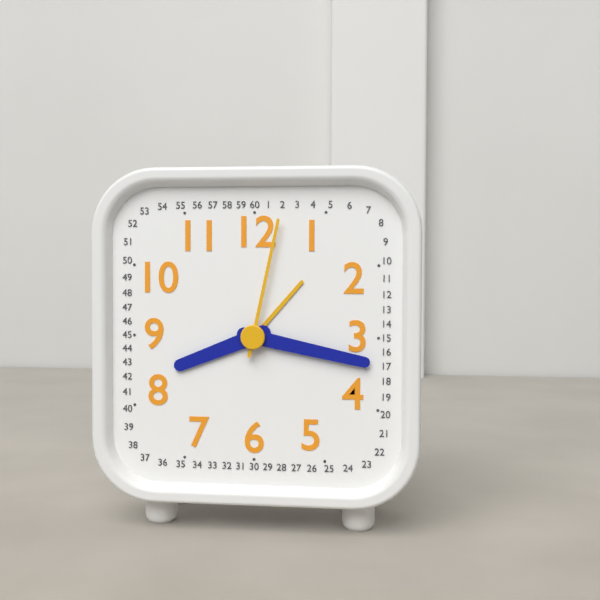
8:17:02
